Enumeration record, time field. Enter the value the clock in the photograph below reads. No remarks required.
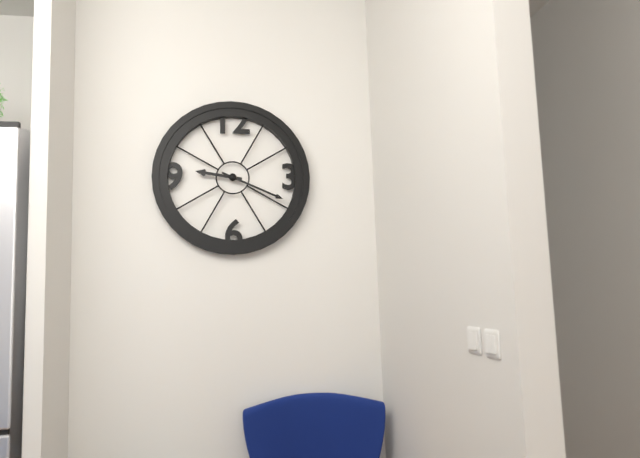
9:19
